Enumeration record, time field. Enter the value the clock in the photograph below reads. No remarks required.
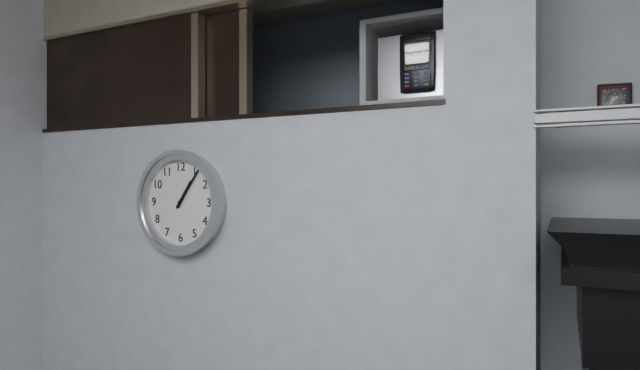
1:06
